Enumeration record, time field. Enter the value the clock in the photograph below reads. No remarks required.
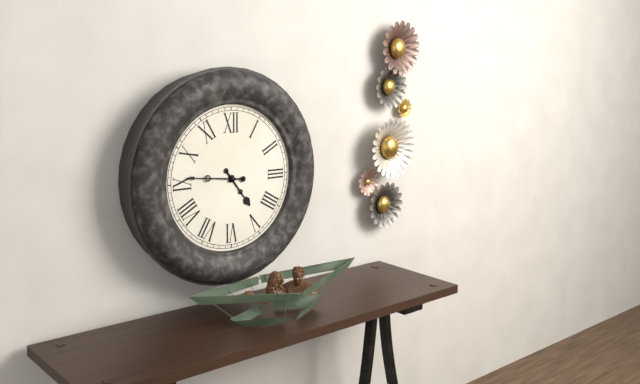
4:46
